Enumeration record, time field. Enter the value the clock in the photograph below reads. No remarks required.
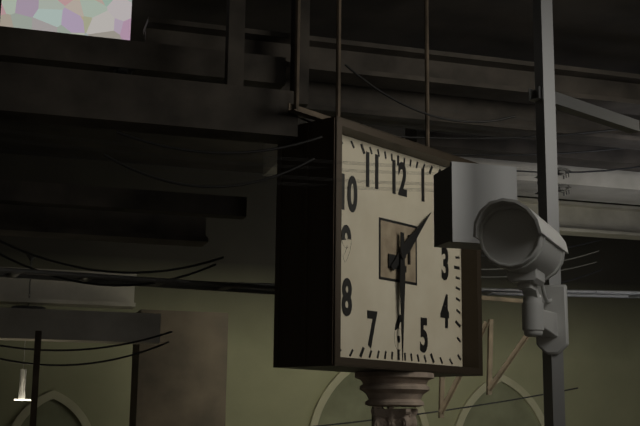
1:30
